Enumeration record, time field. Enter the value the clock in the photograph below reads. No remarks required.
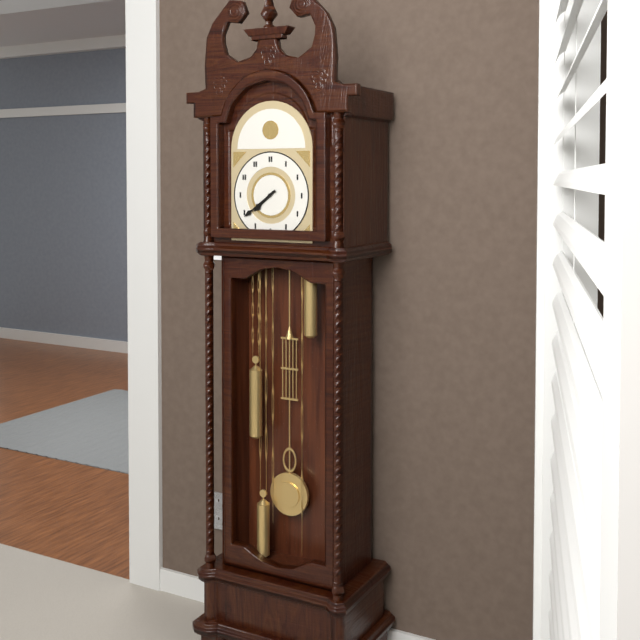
7:39
